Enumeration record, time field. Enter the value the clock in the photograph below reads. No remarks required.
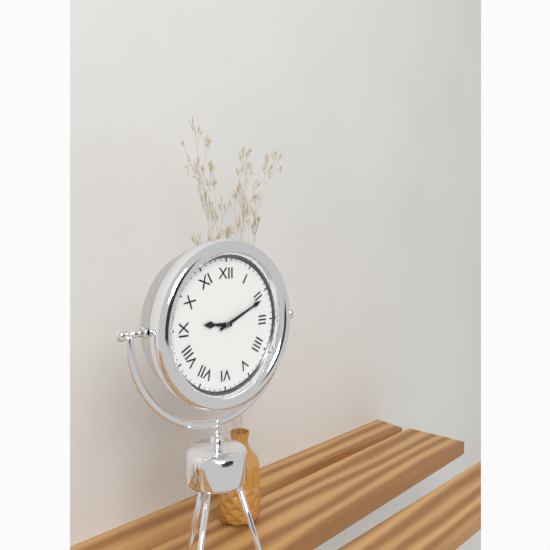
9:11
